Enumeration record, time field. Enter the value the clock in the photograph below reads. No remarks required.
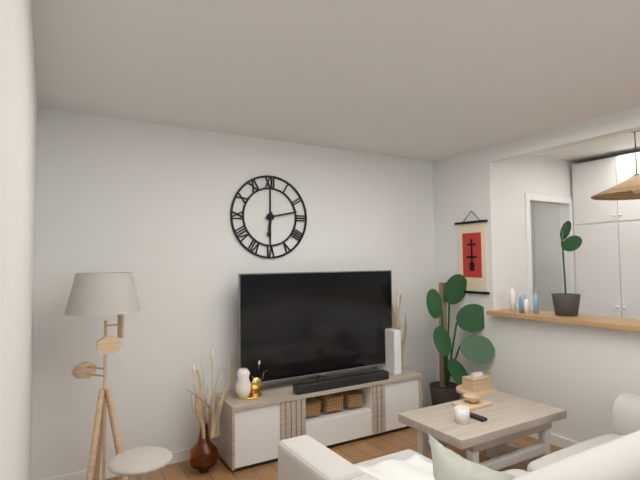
6:13
